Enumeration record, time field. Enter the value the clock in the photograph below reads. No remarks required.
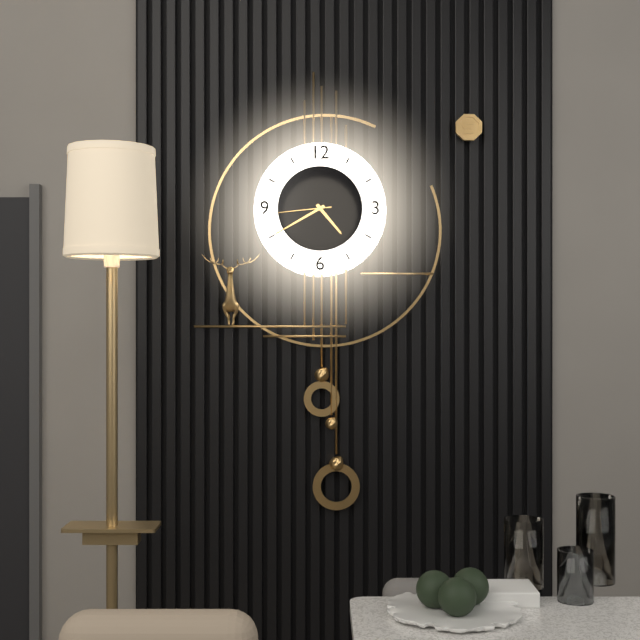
4:40:44
